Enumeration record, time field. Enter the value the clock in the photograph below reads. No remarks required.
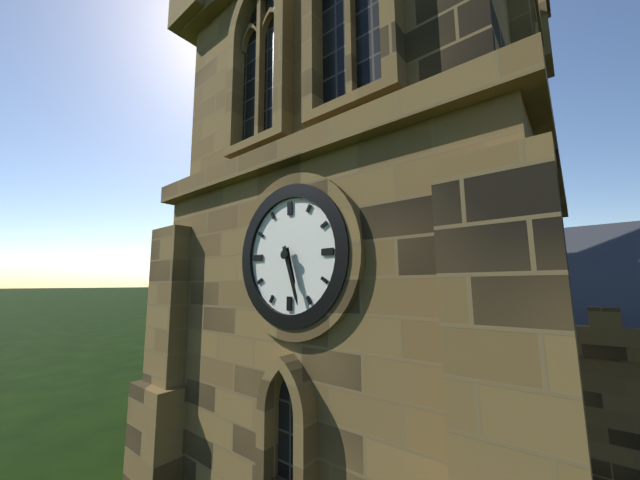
5:27
